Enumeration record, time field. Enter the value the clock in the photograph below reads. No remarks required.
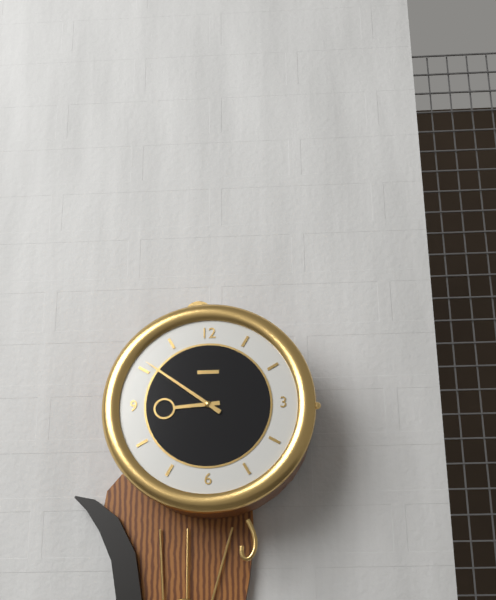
8:51
